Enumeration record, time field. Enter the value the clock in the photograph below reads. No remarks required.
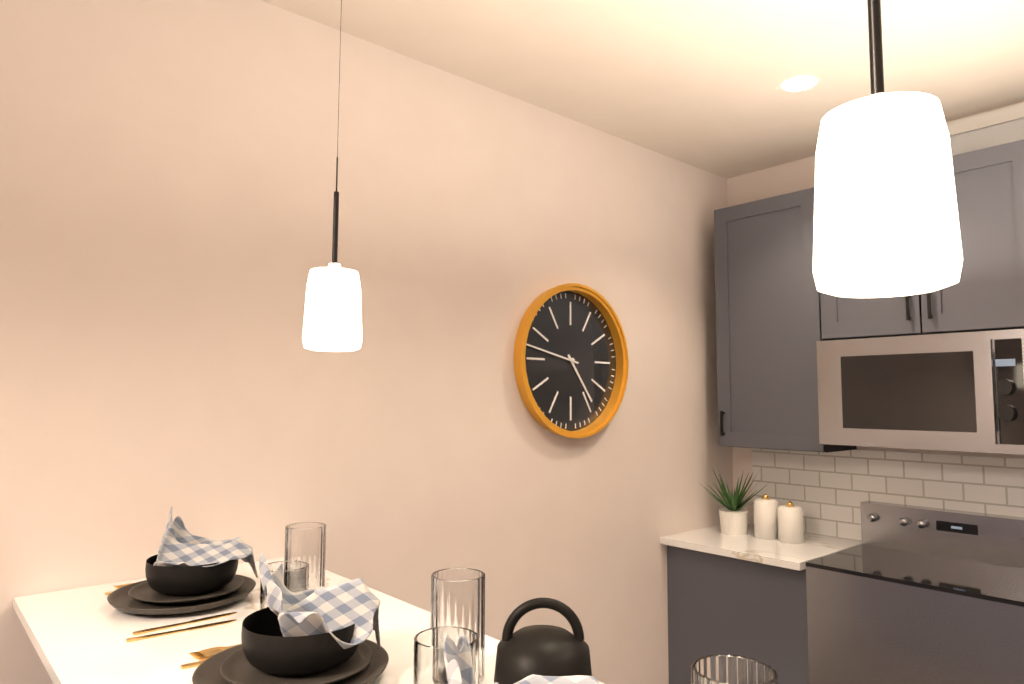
4:47
